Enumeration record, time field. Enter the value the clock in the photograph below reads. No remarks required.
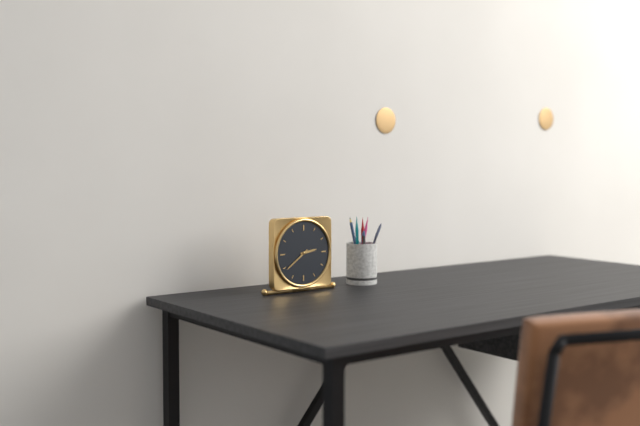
2:39
